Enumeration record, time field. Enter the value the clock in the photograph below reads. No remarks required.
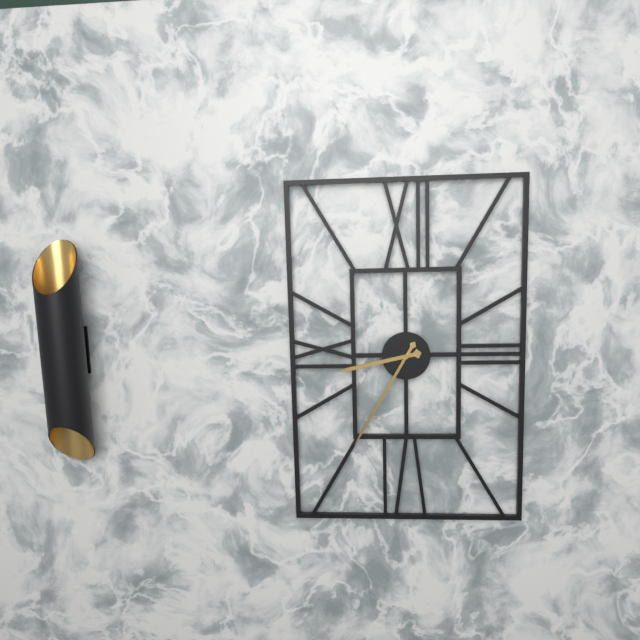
8:35
